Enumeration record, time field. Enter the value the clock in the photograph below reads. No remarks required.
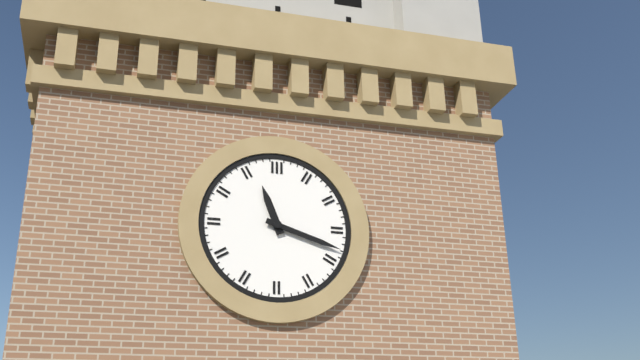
11:18
